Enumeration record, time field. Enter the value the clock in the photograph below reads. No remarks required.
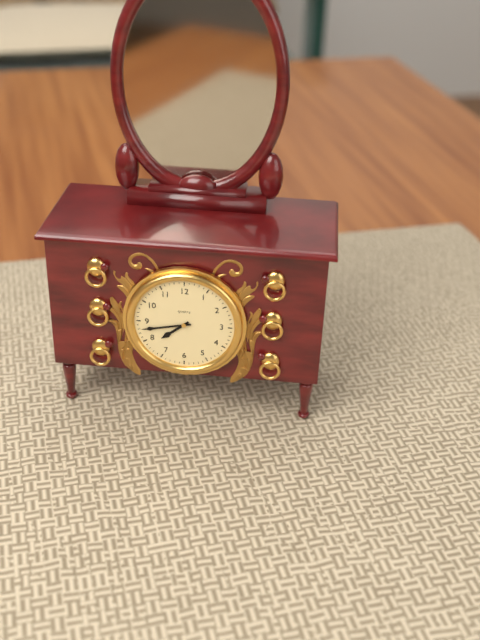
7:43
